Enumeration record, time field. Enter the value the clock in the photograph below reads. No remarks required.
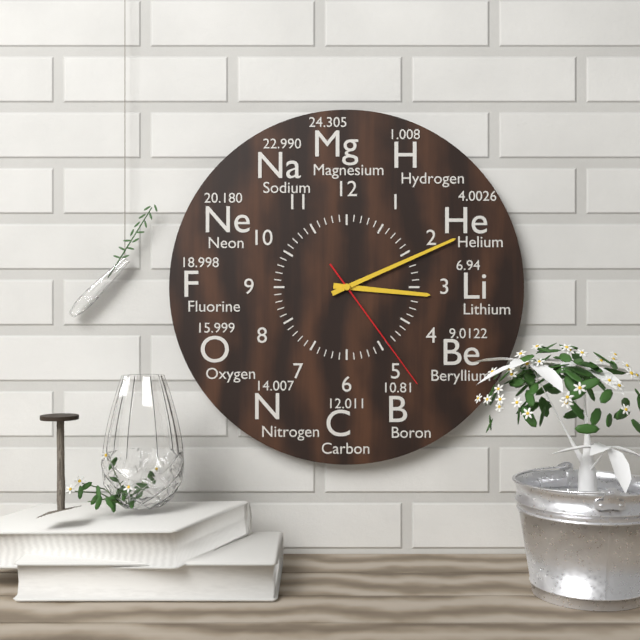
3:11:24
